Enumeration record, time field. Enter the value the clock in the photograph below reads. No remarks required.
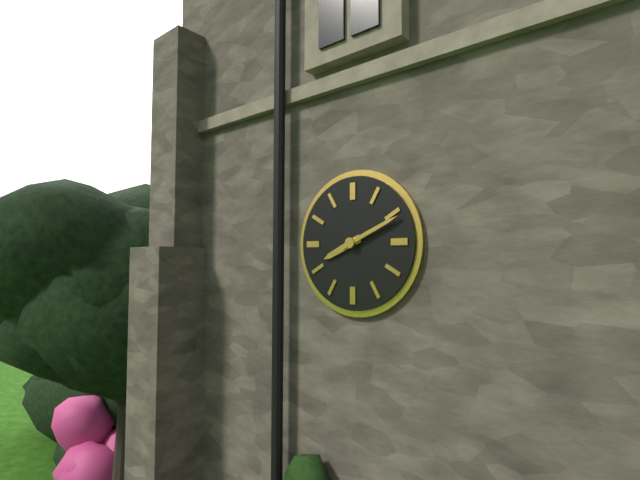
8:11
